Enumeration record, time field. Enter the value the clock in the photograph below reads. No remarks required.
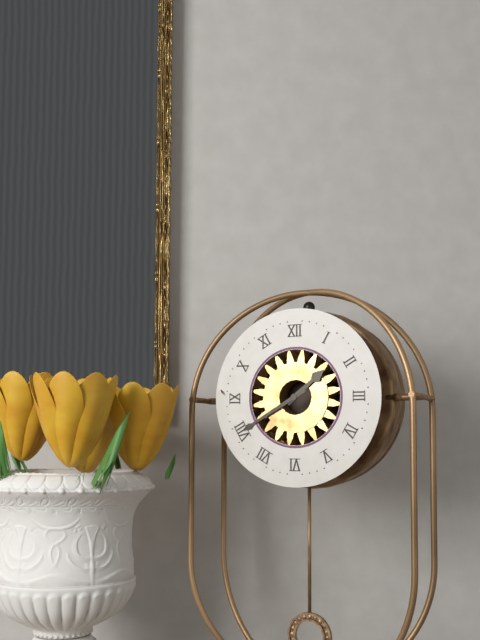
1:40
